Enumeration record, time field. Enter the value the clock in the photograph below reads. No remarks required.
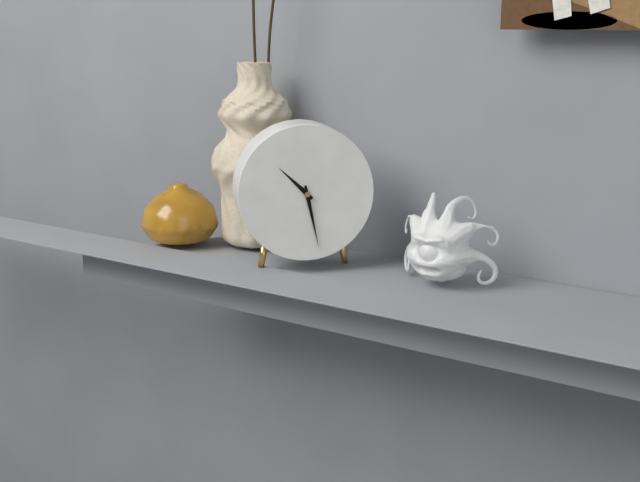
10:28
